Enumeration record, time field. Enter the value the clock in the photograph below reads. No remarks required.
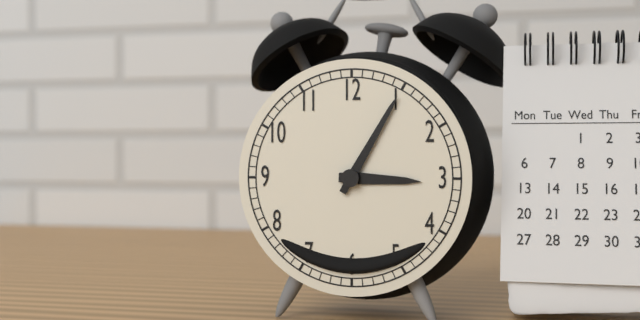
3:05
